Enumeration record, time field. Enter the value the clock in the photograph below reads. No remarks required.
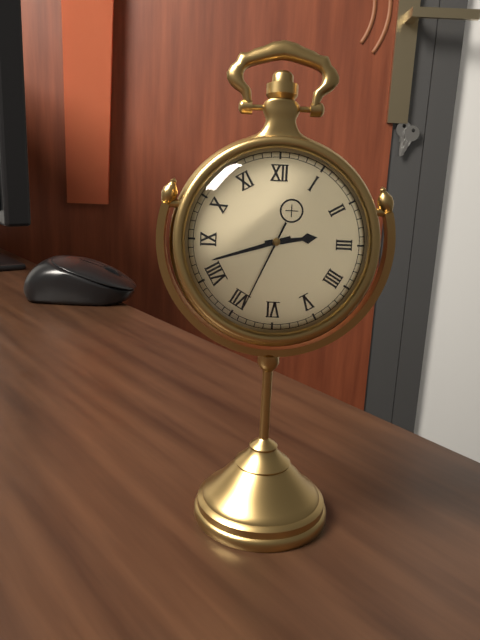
2:42:34
